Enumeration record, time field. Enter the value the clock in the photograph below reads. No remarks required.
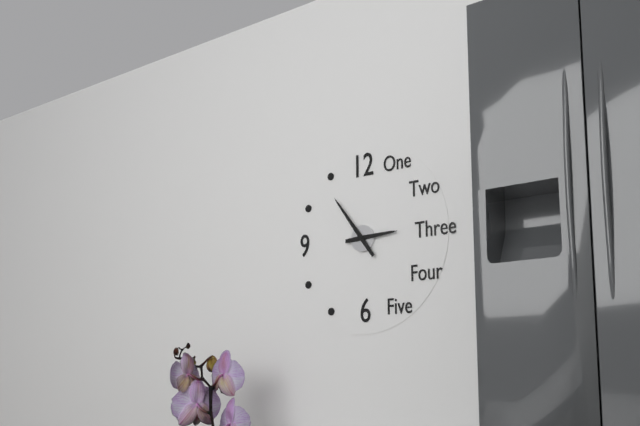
2:54
